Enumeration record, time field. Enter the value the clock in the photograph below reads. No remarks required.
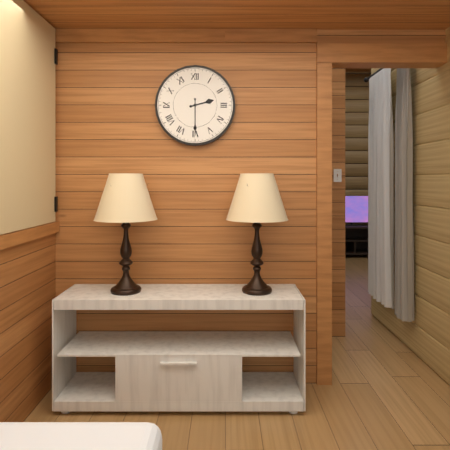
2:30
